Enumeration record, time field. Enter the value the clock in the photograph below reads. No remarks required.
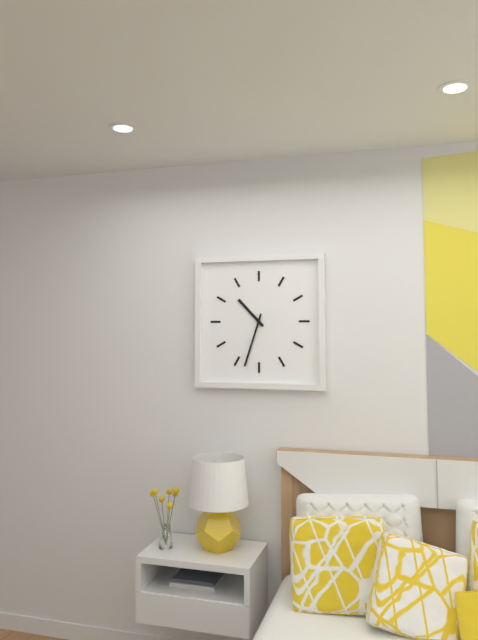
10:33
